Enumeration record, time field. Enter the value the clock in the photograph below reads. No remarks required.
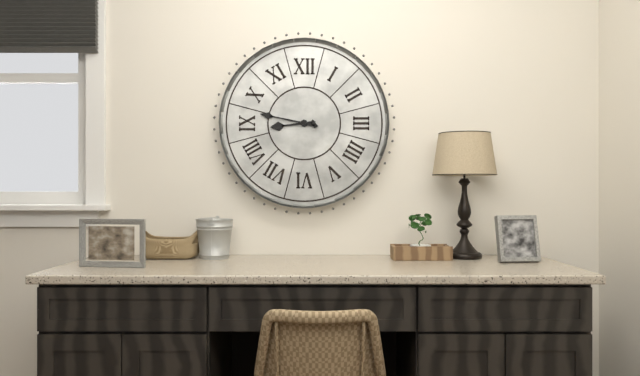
8:47
